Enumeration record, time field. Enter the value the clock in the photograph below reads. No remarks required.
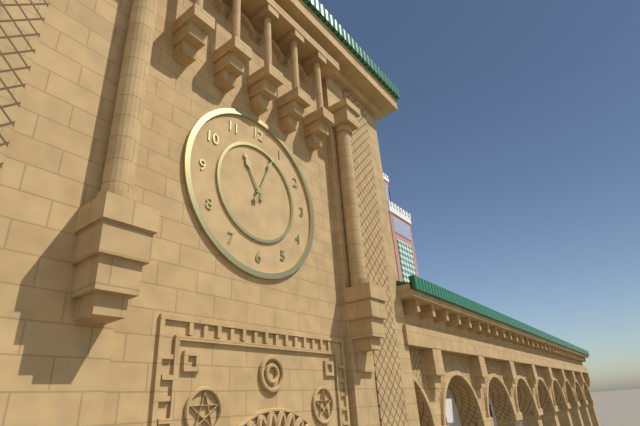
11:04
